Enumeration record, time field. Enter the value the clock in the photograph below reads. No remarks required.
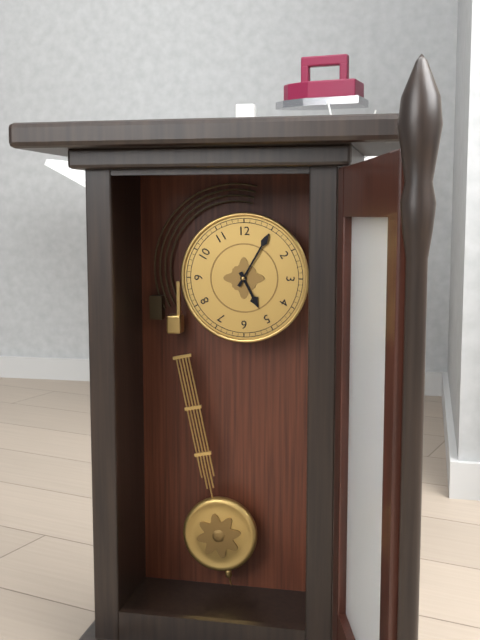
5:05
